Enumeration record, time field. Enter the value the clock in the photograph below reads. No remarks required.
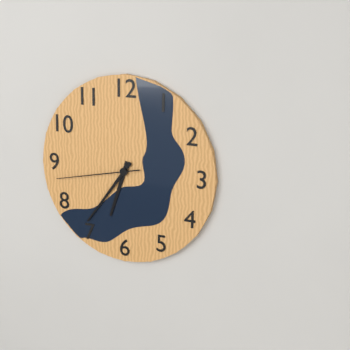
6:36:43
